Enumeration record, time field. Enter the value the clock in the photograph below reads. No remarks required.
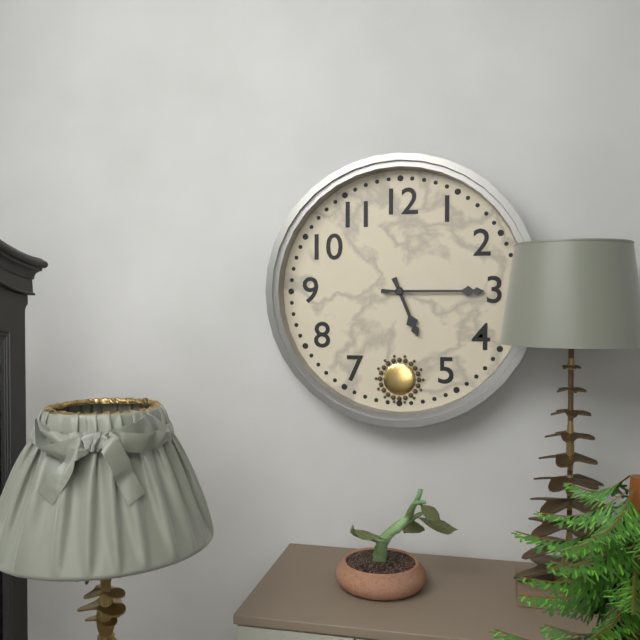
5:15
